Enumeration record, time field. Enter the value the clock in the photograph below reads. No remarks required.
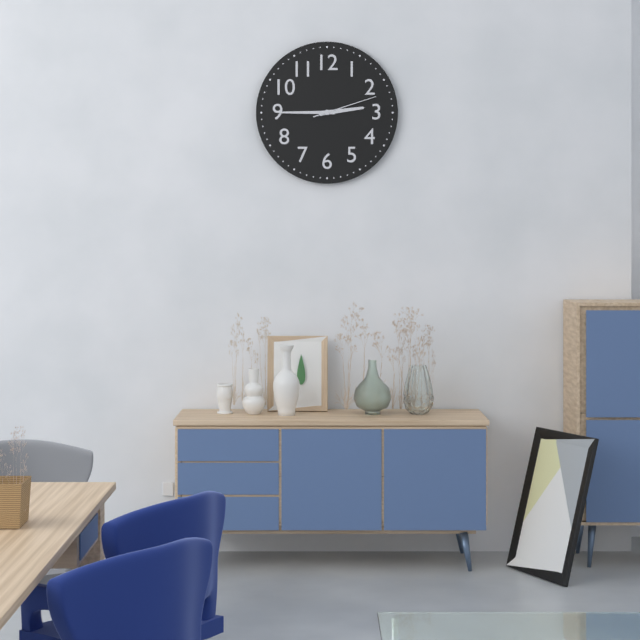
2:45:12
